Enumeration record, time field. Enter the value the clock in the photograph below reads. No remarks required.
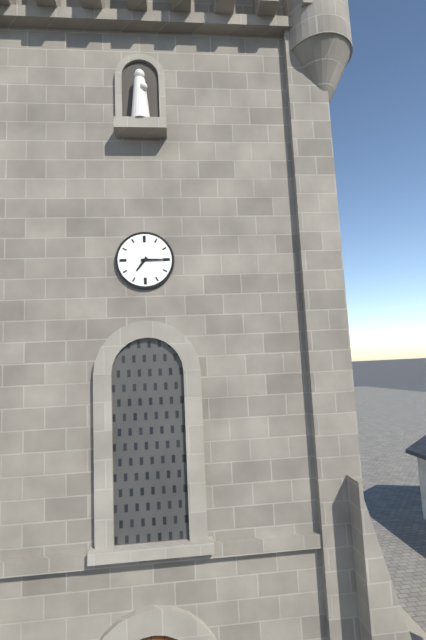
7:15
